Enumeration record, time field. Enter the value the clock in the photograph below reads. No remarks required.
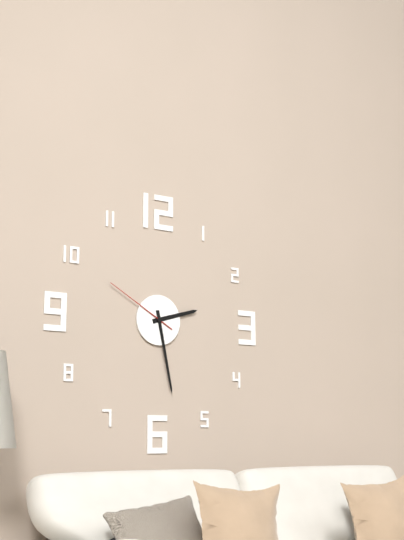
2:28:50
